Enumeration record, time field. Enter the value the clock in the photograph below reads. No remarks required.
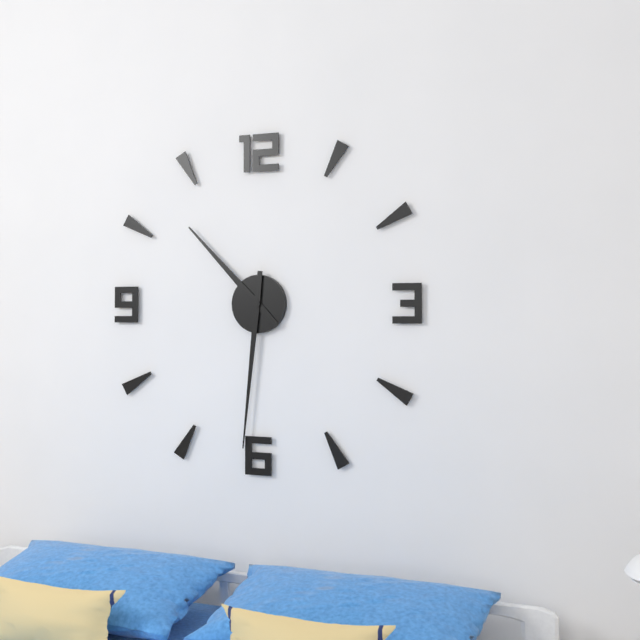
10:31
